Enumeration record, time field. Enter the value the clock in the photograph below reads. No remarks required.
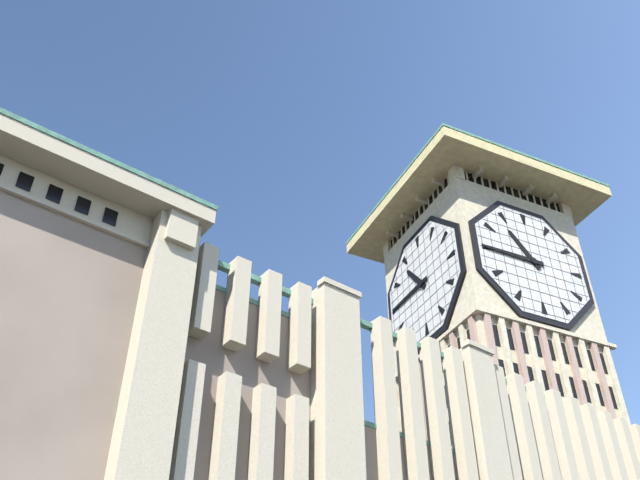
10:45
